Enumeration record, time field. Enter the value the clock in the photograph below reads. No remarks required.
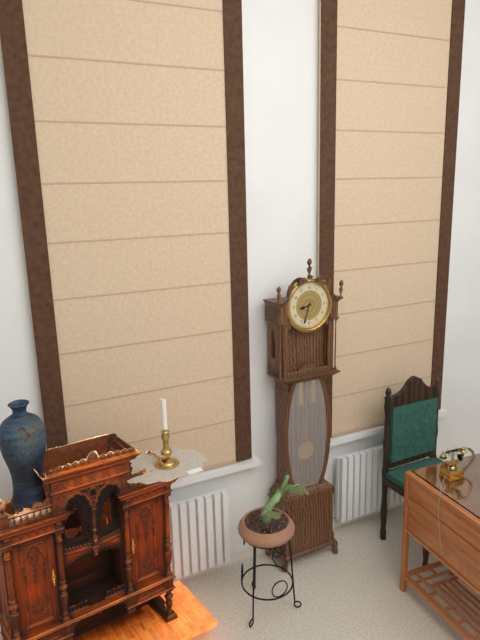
8:33
